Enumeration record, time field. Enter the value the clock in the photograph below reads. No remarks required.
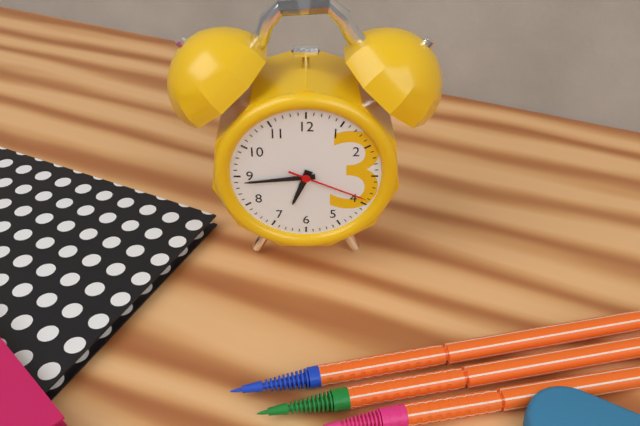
6:44:19
